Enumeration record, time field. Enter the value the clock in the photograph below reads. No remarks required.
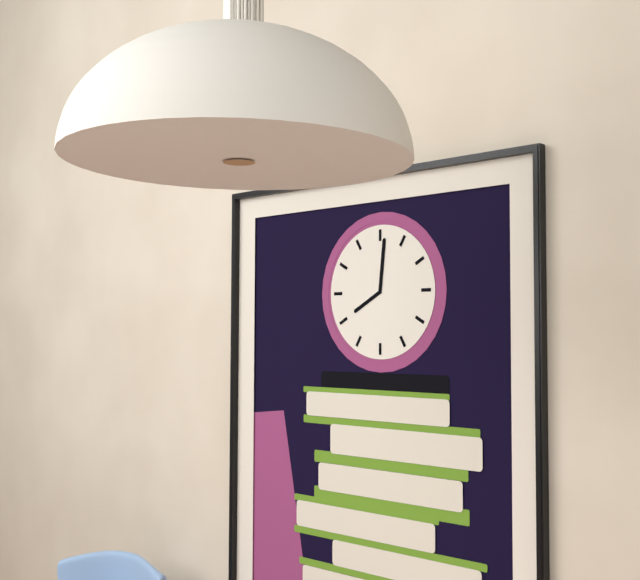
8:01
